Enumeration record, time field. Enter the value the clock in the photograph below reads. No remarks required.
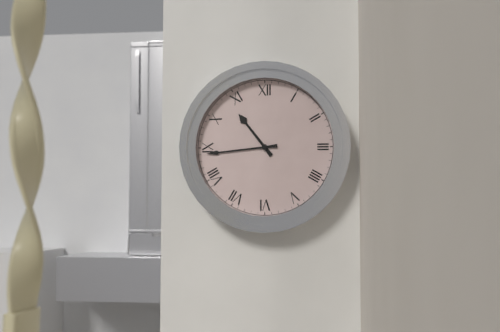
10:44
